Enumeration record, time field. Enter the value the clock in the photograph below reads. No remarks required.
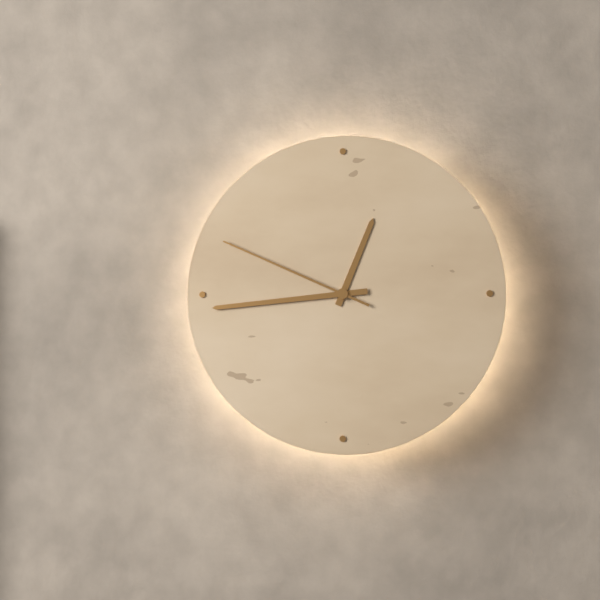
12:44:49
